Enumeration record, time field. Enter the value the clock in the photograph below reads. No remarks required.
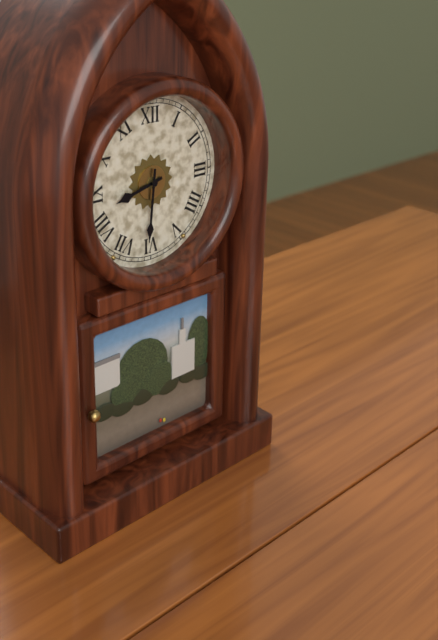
8:31
